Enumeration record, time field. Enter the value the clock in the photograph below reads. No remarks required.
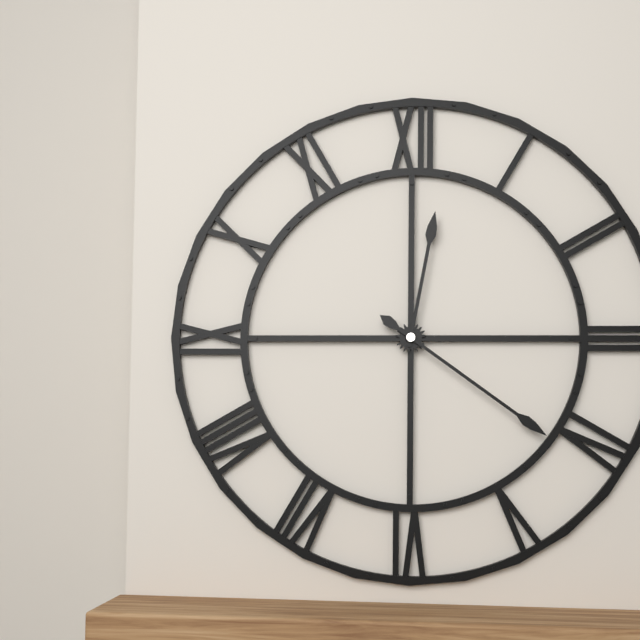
12:21
